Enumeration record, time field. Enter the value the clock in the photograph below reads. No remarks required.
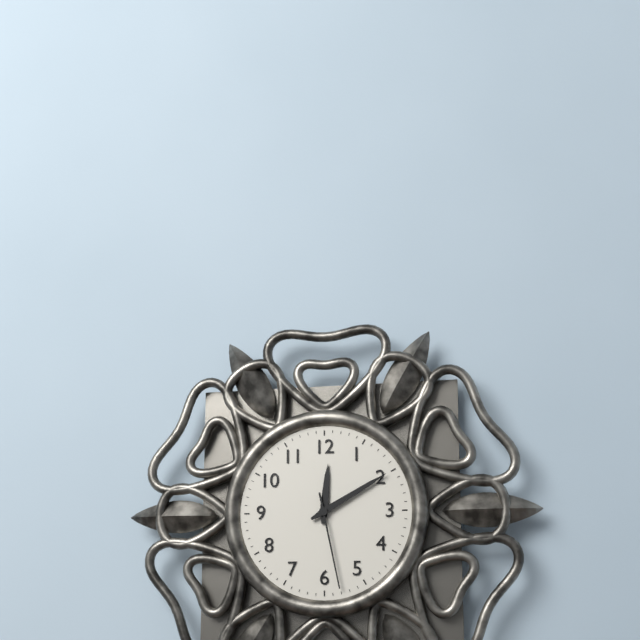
12:10:28
